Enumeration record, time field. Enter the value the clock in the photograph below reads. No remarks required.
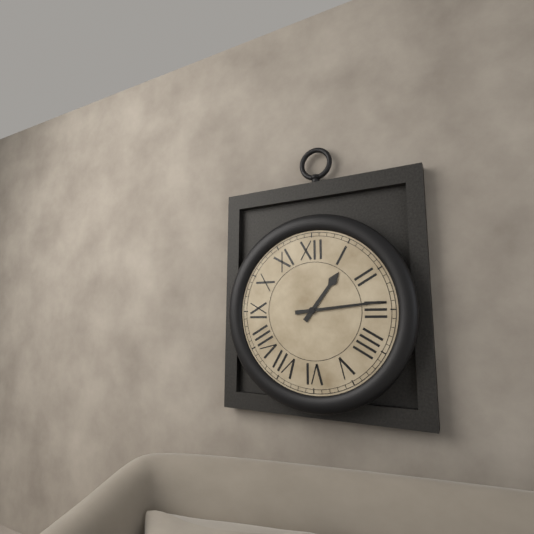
1:14
